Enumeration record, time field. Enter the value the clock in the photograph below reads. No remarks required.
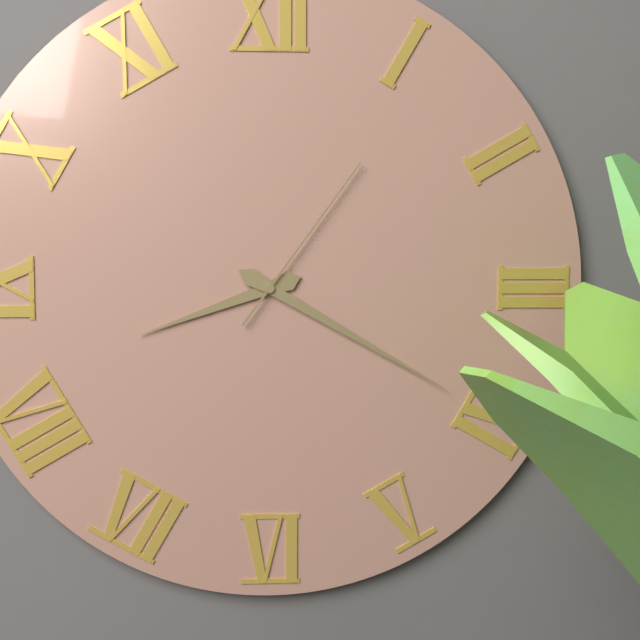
8:20:06
